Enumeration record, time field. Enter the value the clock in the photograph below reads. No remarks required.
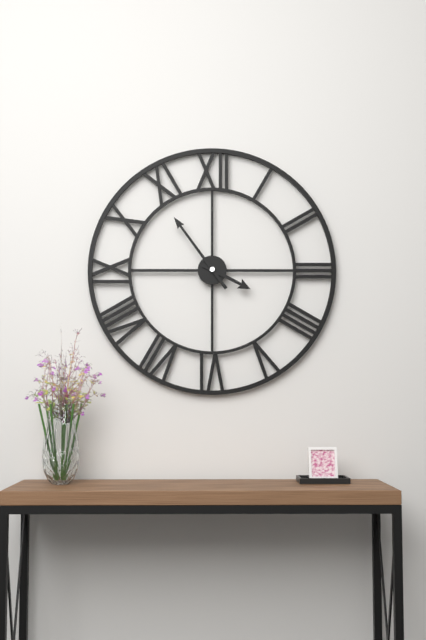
3:54
